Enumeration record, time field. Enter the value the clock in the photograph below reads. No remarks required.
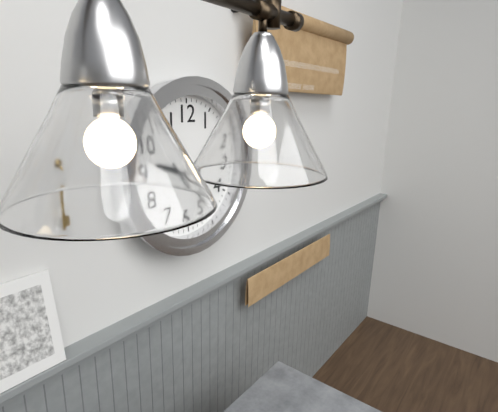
9:23
